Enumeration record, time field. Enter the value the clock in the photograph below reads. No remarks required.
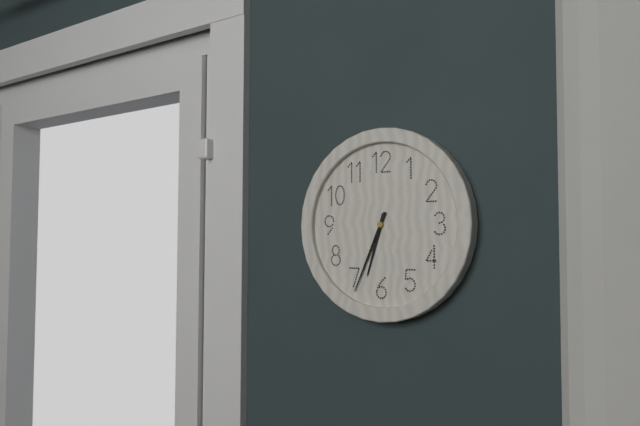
6:34
